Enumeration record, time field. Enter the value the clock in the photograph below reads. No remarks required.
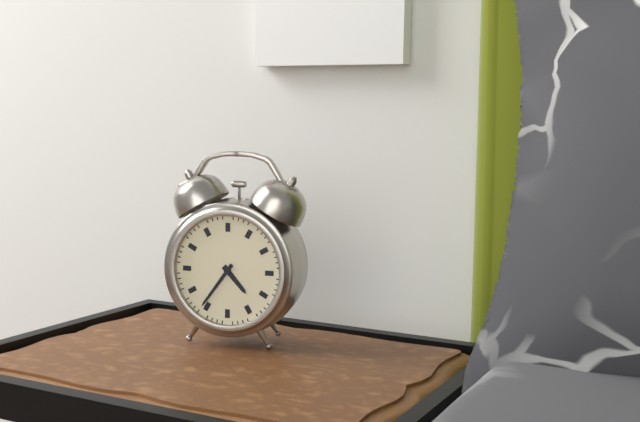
4:36
